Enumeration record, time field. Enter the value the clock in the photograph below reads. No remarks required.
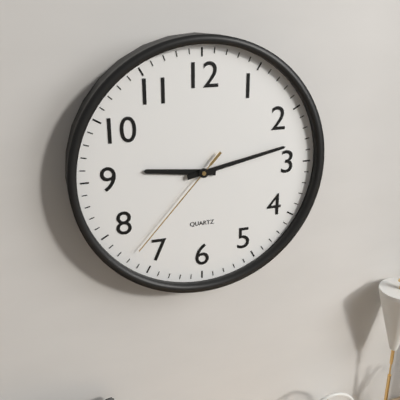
9:13:37
